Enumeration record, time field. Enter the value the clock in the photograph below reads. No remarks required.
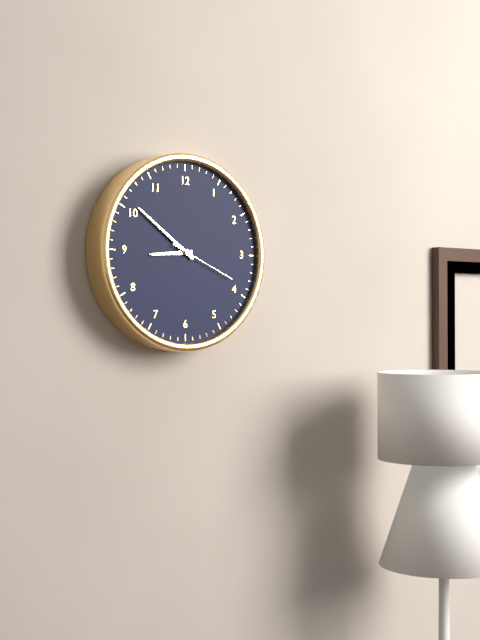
8:51:19
